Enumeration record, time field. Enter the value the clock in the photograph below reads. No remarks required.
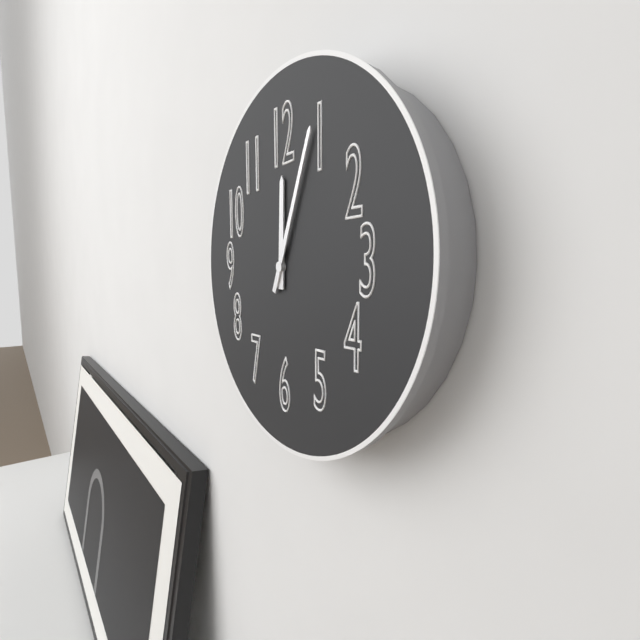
12:04
